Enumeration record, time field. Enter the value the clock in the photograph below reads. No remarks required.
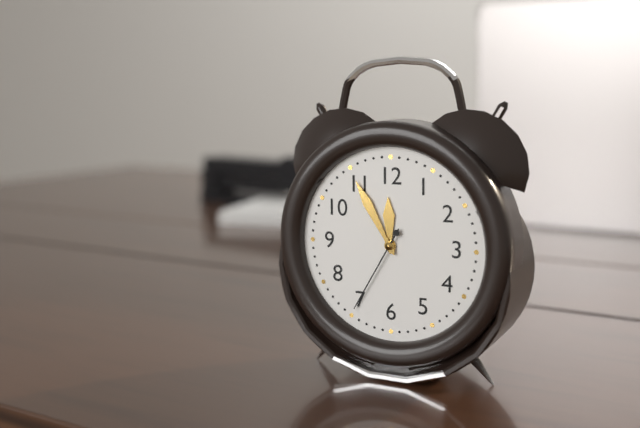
11:55:35
